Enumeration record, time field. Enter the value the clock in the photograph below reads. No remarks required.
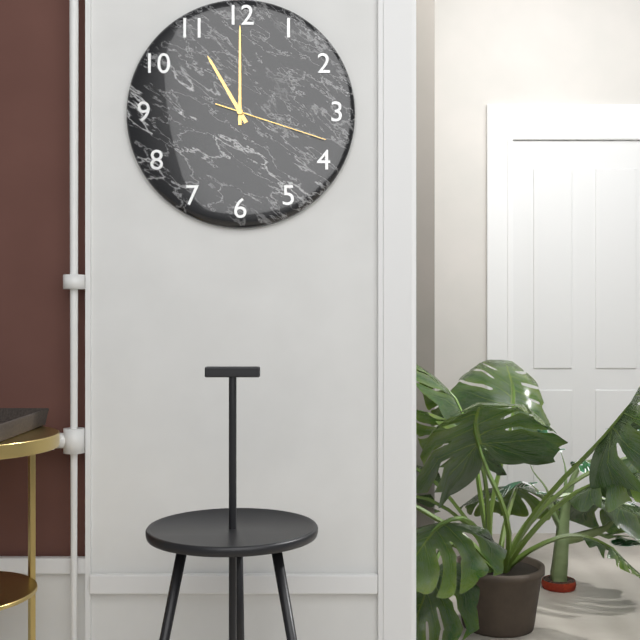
11:00:18
